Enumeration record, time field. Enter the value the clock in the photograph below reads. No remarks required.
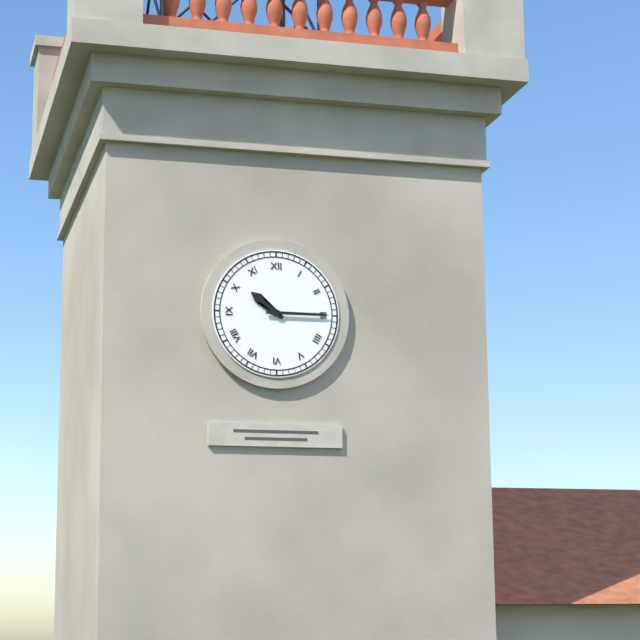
10:15
